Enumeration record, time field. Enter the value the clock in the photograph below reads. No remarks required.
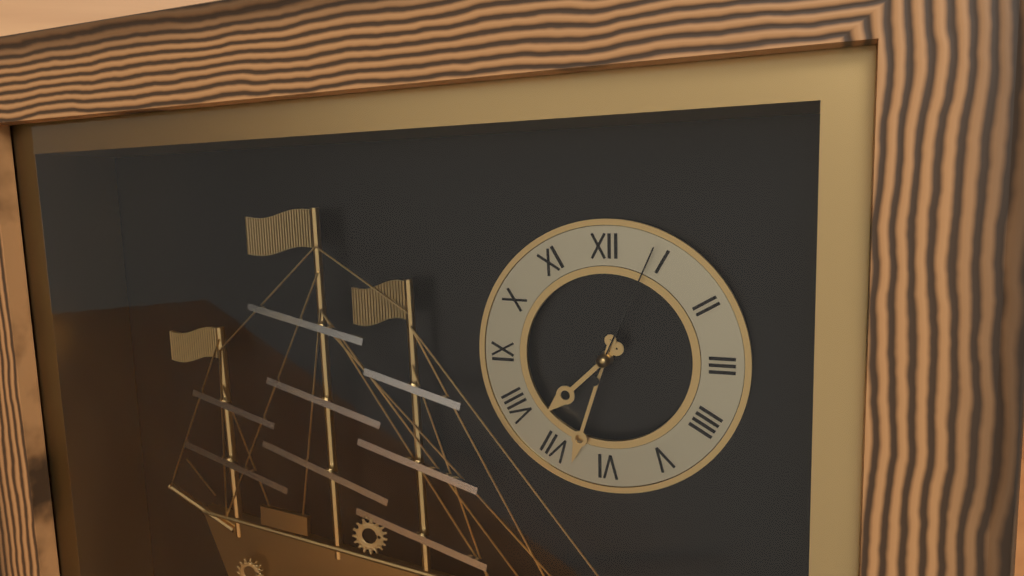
7:33:04
